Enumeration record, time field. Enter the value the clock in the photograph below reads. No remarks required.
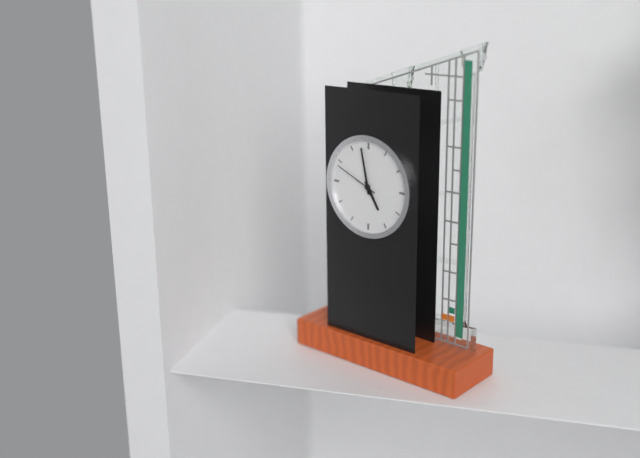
4:58
